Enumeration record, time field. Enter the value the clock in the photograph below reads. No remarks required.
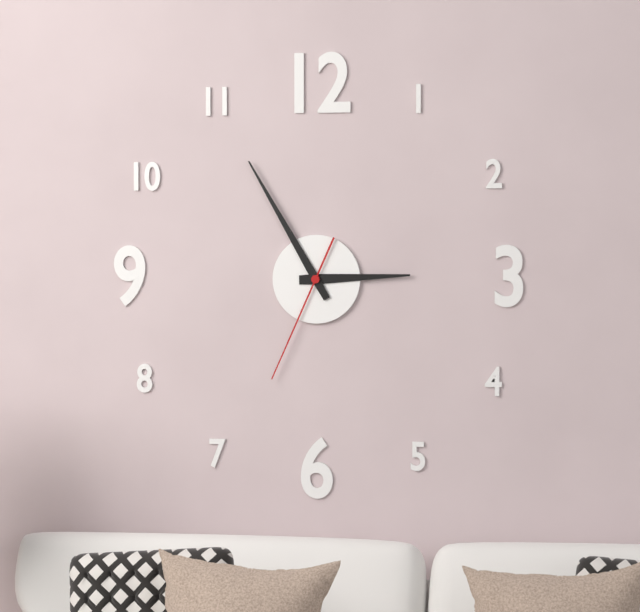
2:55:34
